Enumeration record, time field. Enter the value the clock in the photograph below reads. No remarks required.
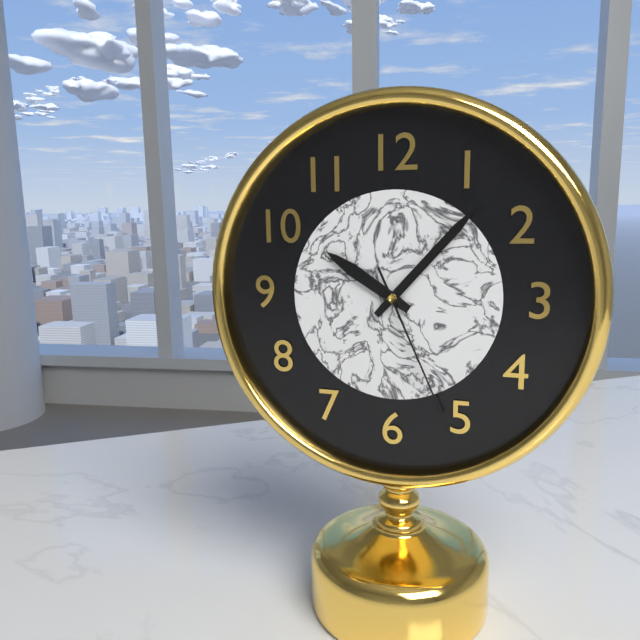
10:07:26
